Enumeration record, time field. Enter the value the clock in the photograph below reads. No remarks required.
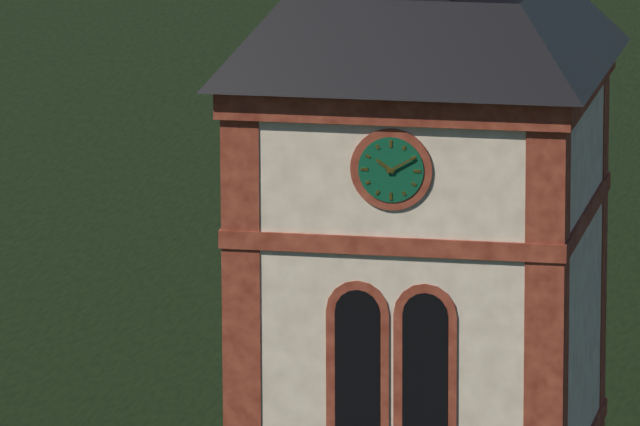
10:10
